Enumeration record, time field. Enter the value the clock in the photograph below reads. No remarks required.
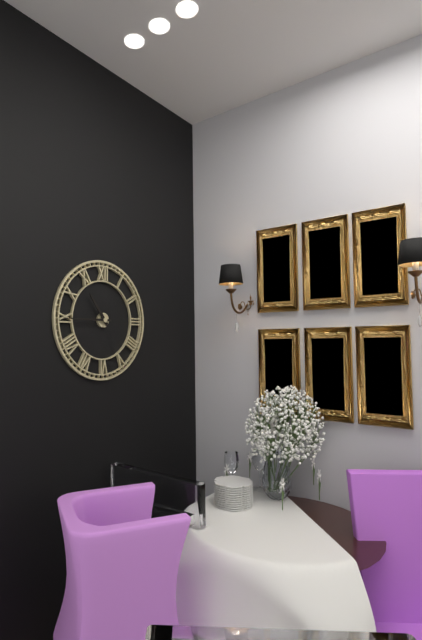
10:45
